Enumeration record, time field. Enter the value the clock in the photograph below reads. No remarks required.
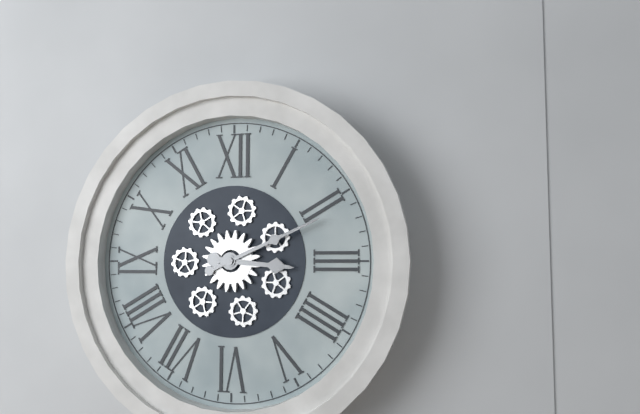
3:11
